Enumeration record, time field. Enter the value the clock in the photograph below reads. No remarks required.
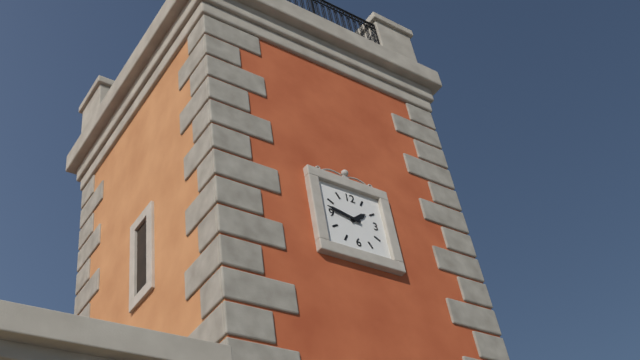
1:47
